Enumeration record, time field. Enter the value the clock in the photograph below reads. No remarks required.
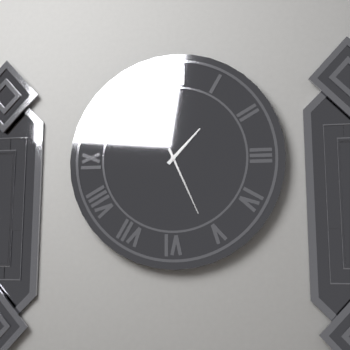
1:26
